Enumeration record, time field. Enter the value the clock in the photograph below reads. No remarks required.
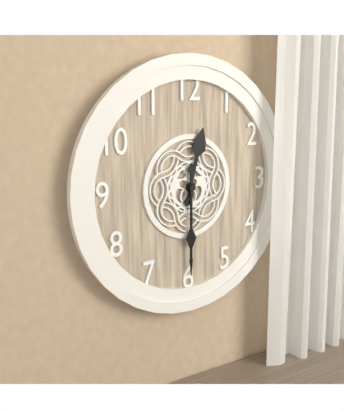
12:30
